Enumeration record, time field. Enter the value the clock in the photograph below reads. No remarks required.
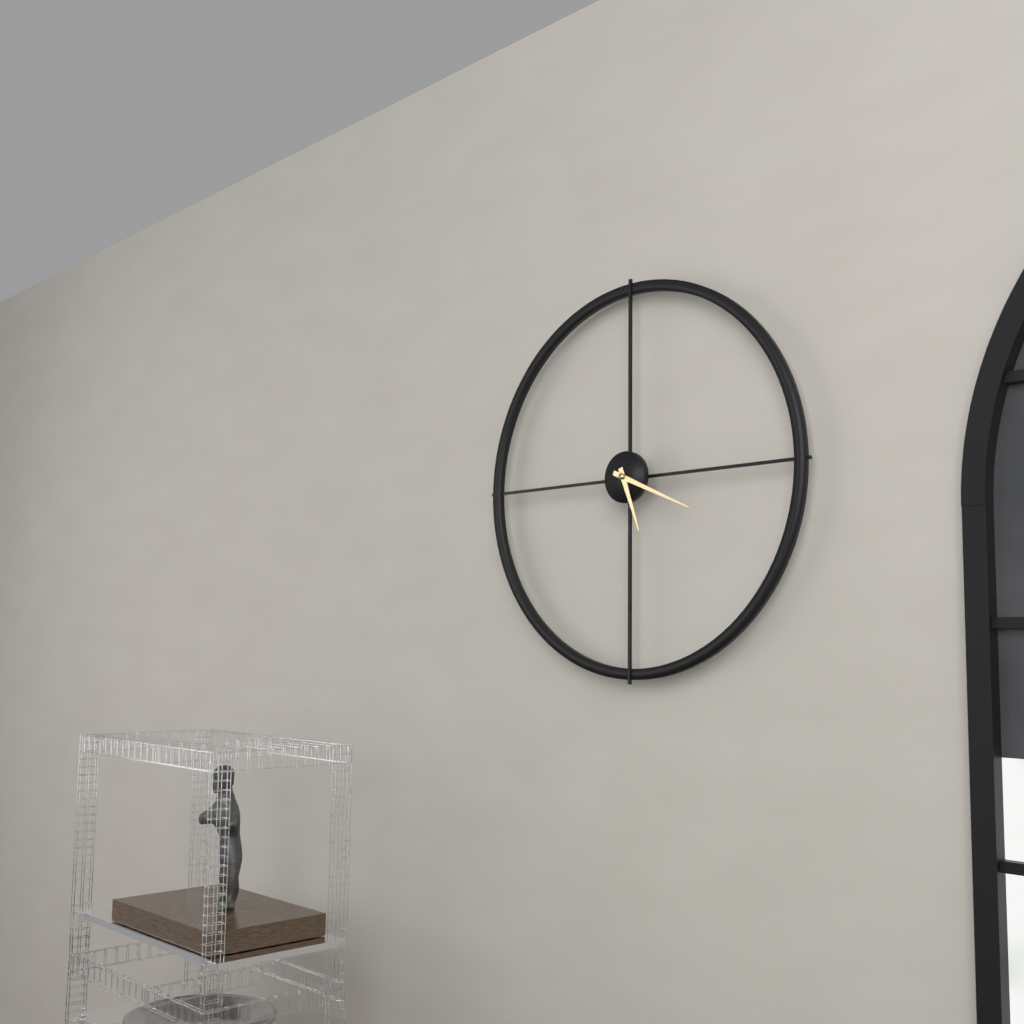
5:19
